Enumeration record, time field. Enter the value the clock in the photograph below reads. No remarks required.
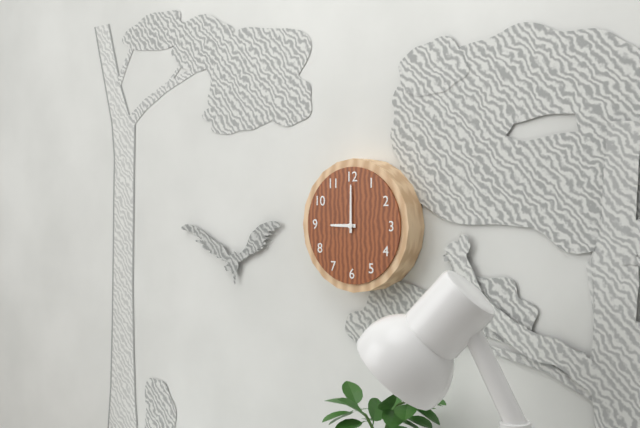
9:00
